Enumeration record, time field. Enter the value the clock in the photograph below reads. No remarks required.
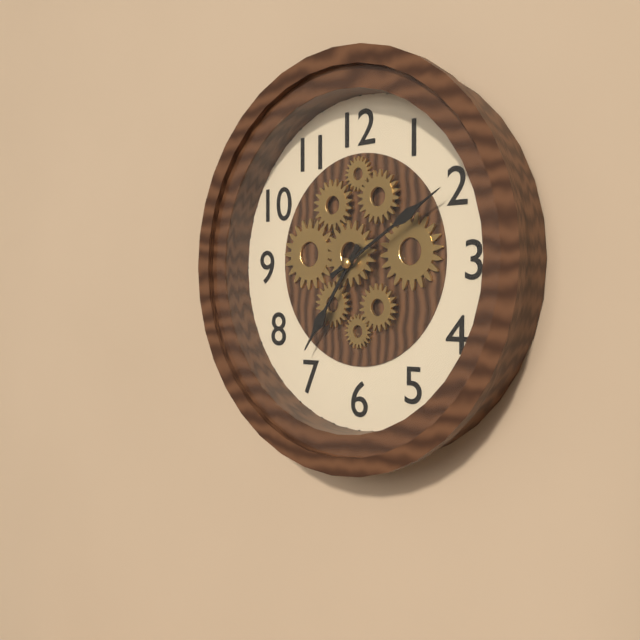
7:10
